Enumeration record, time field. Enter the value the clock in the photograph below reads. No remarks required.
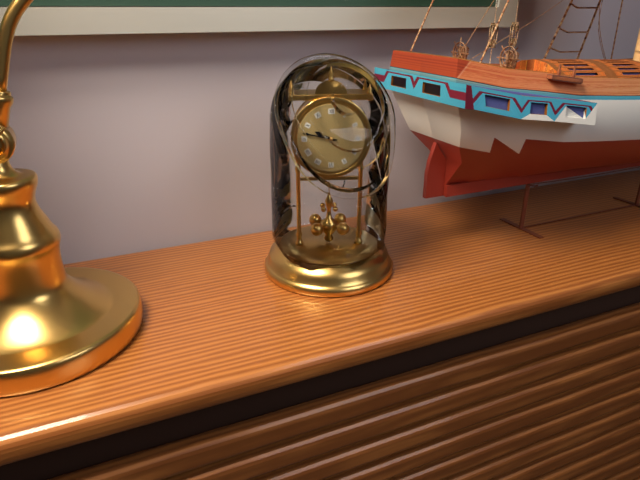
9:47
